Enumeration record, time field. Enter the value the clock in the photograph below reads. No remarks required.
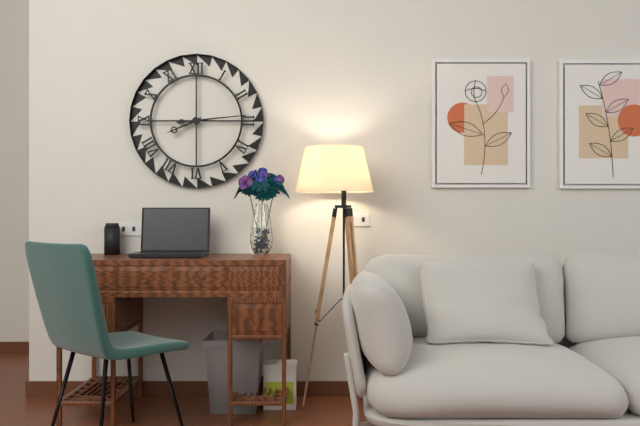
8:14
